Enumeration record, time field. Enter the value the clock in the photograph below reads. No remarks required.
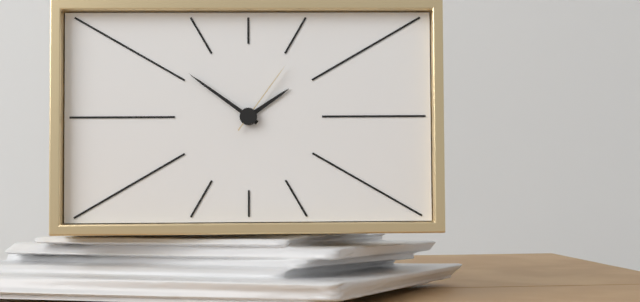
1:51:06
